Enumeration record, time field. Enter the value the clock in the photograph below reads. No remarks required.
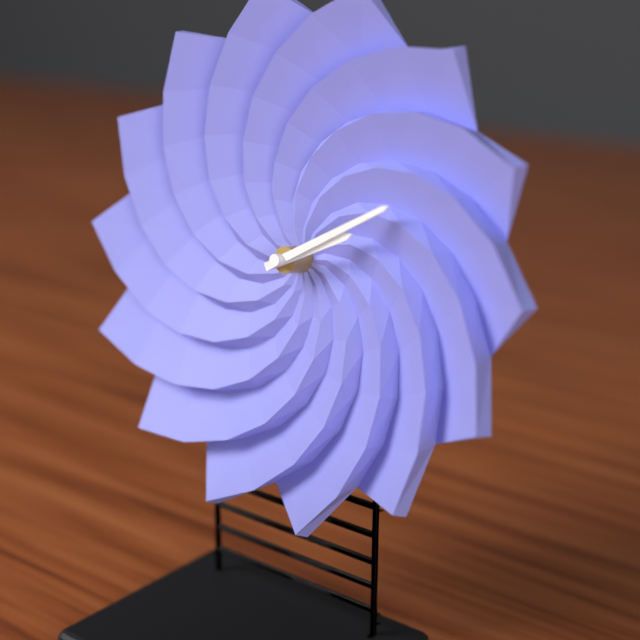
2:10
